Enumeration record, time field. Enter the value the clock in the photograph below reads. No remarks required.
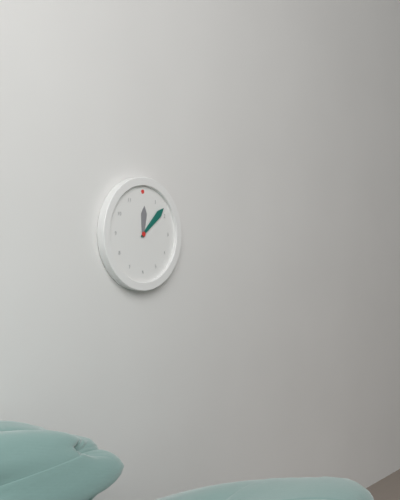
12:08
